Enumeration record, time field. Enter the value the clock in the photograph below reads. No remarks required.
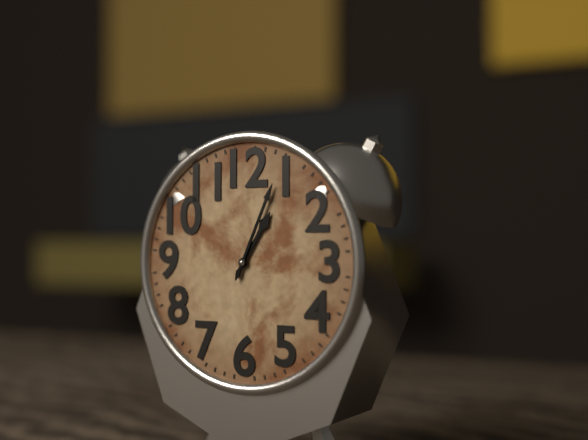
1:04
